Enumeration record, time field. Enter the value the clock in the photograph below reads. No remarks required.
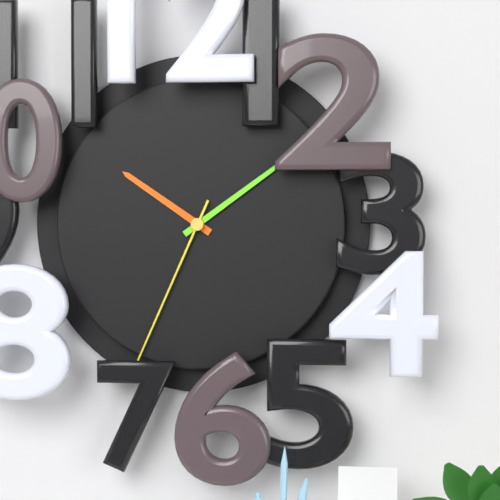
10:09:34
